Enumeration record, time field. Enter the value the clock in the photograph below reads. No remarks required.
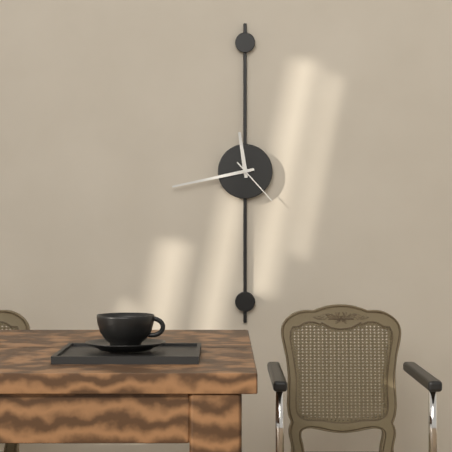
11:43
